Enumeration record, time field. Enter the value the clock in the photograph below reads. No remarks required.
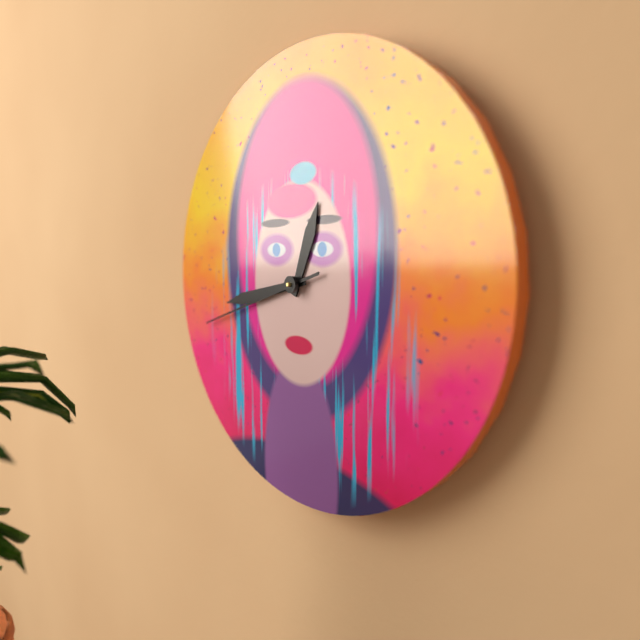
12:43:42
